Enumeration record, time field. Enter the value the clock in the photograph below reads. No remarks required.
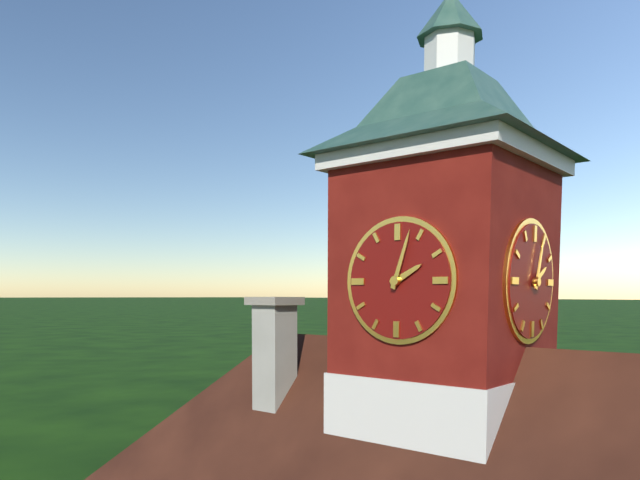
2:03
